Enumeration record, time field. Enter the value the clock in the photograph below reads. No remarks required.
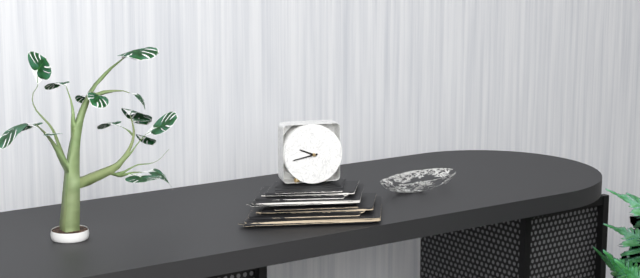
9:43
